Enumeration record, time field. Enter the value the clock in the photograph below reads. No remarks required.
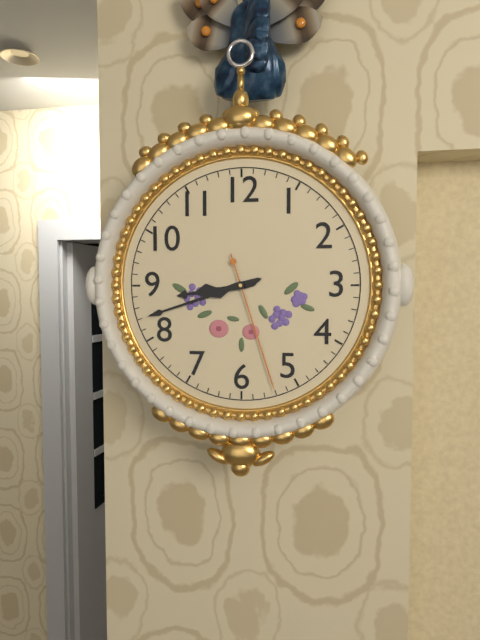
8:42:27
